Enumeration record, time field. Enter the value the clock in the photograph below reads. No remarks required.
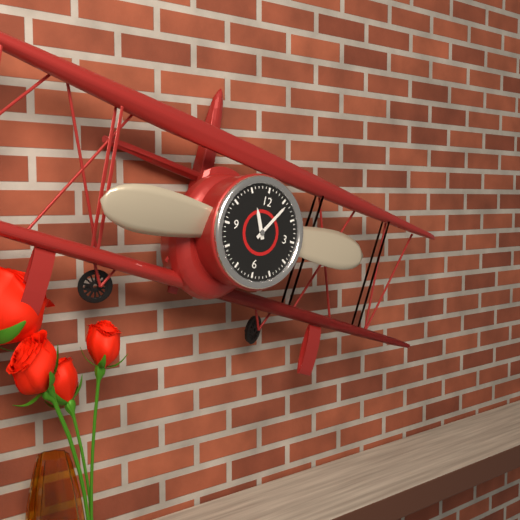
11:06
